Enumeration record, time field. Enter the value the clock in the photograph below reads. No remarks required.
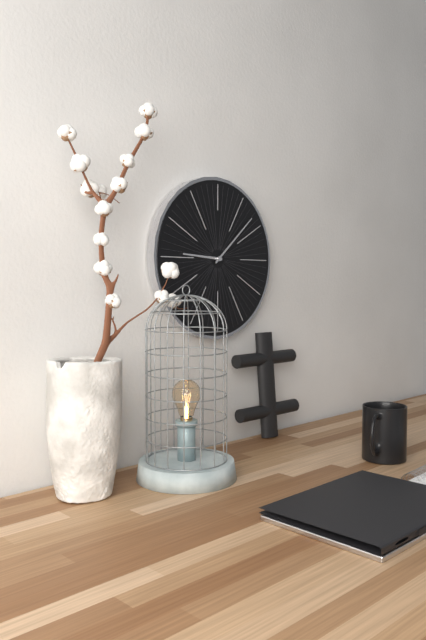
9:08
